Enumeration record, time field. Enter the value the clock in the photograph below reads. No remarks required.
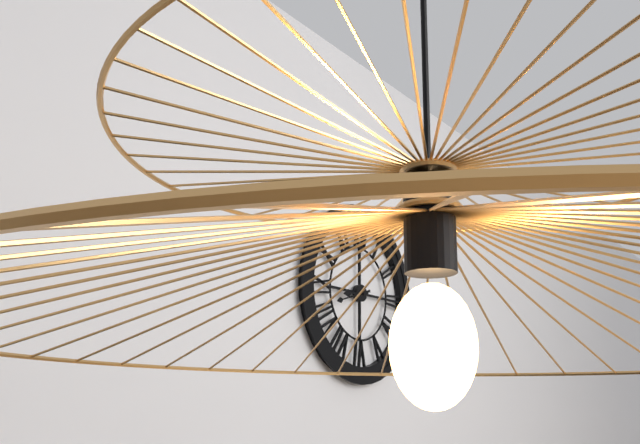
8:42
